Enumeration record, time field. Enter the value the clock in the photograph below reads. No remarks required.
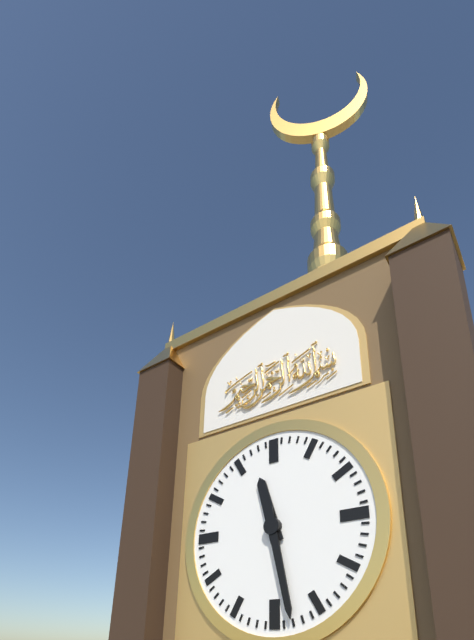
11:28
